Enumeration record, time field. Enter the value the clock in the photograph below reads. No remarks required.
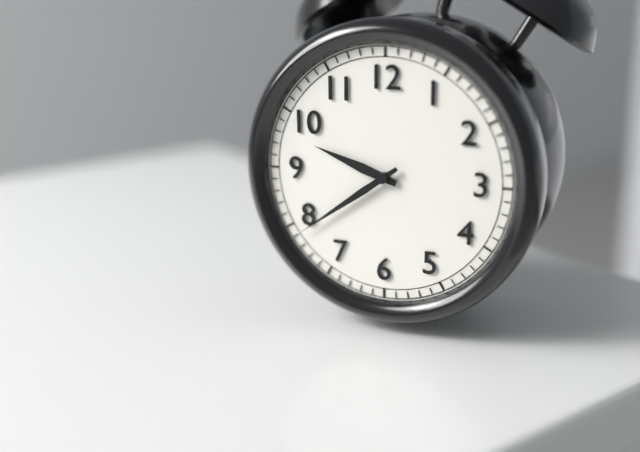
9:39
